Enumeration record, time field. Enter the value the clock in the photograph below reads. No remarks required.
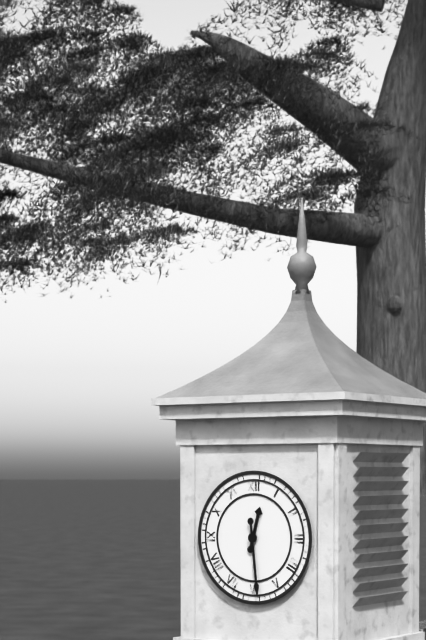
12:29
